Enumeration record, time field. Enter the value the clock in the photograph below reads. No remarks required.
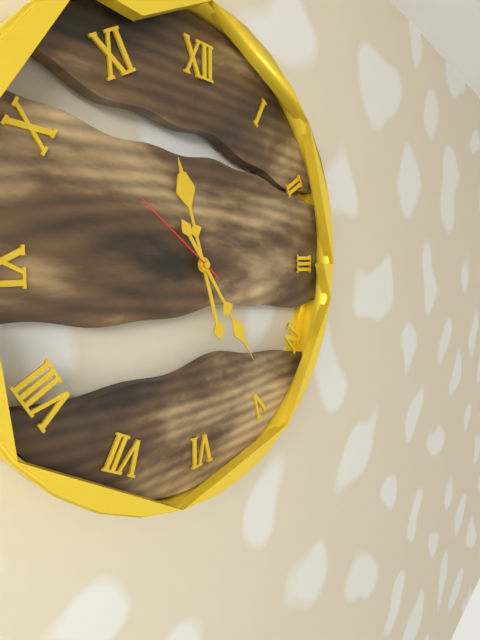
11:24:51
